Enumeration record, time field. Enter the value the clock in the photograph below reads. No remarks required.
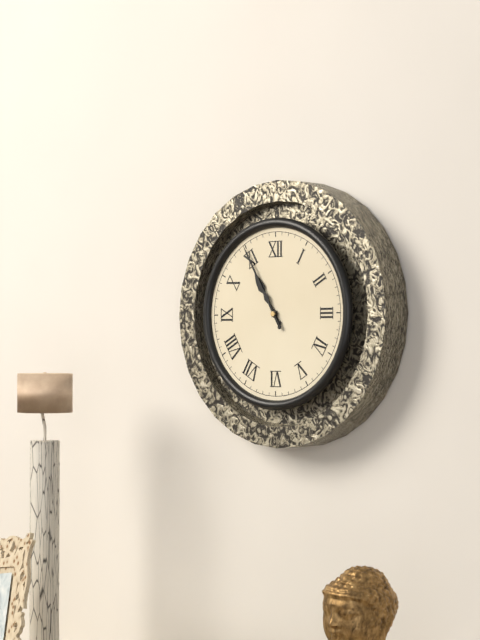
10:55
